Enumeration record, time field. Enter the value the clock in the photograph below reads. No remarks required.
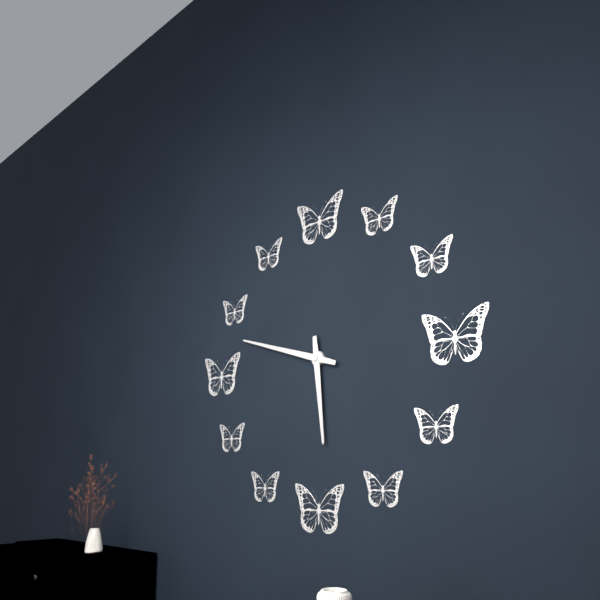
5:48
